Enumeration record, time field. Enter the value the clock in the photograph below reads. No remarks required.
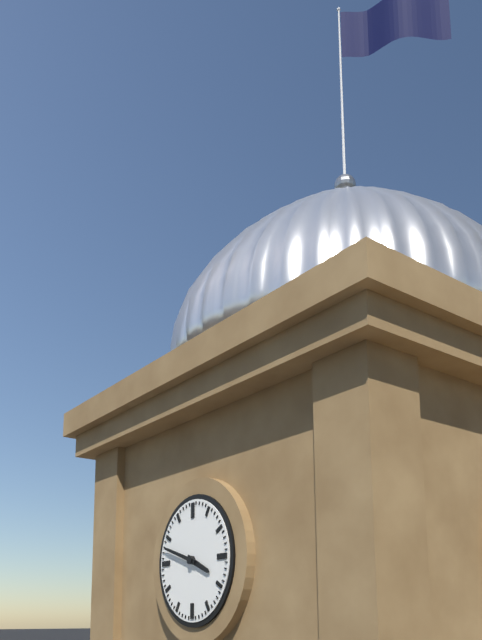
3:48
